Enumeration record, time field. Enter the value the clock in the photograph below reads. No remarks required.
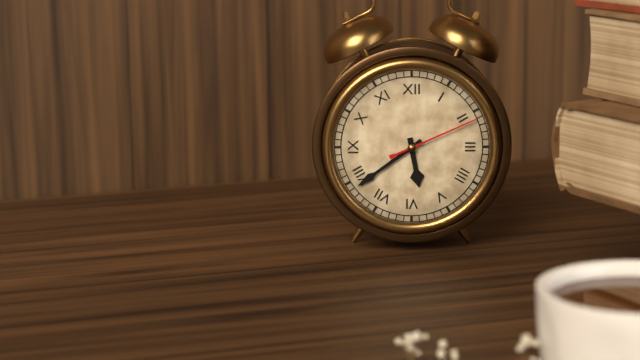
5:39:11
